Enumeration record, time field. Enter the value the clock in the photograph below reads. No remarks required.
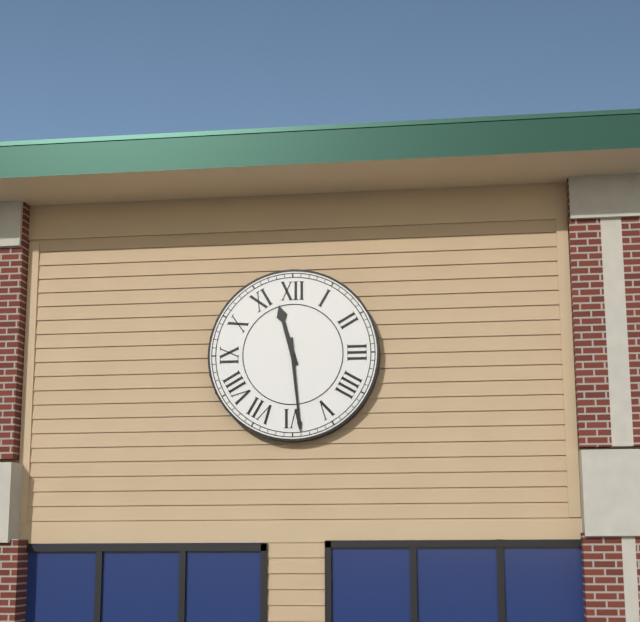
11:29
